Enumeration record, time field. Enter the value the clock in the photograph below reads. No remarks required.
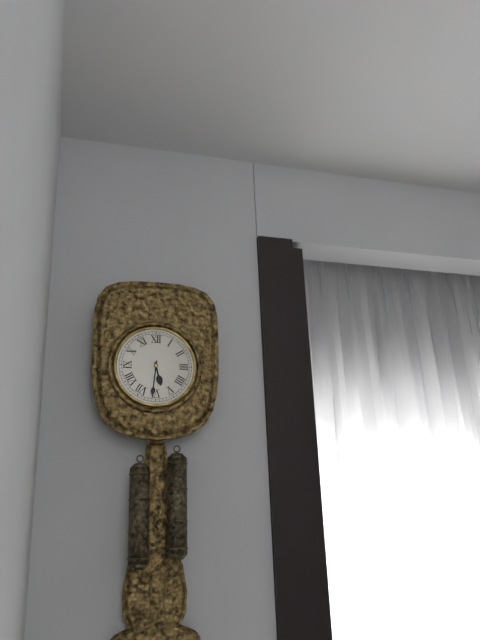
5:31
